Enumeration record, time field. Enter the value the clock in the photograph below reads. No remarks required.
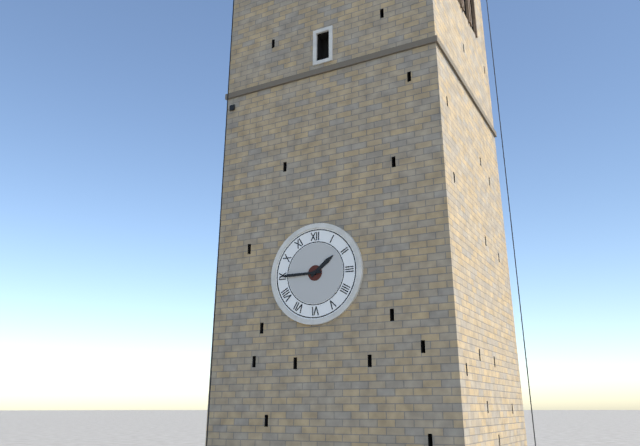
1:45
